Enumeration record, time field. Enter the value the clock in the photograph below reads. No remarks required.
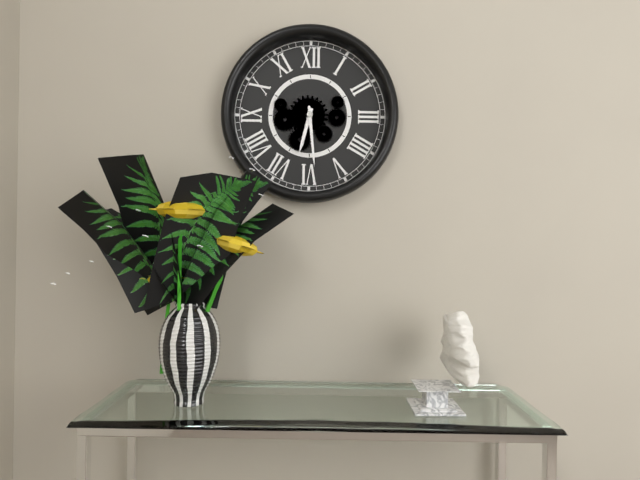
6:29
